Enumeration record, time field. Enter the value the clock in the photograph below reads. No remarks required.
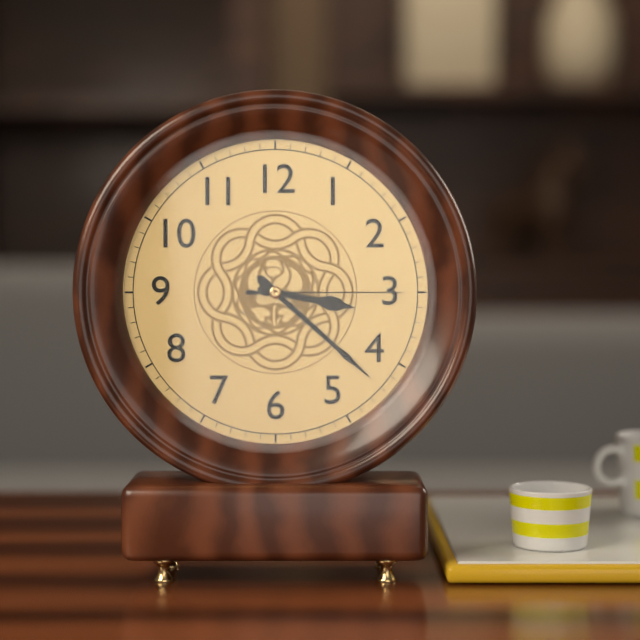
3:22:15
